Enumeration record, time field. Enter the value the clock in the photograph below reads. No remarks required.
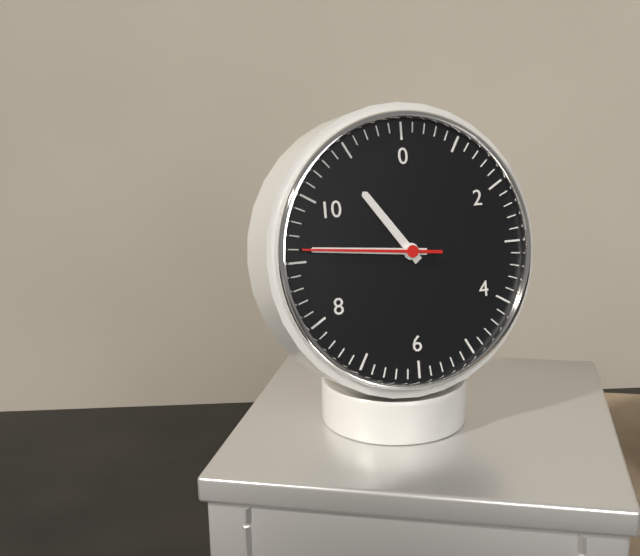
10:46:46
